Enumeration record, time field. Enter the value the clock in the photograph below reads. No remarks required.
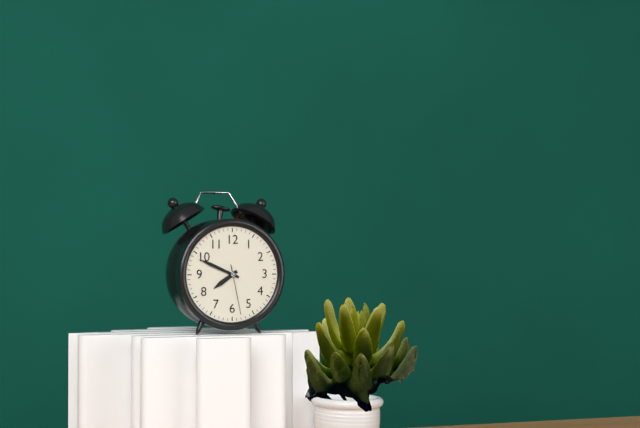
7:49:28
